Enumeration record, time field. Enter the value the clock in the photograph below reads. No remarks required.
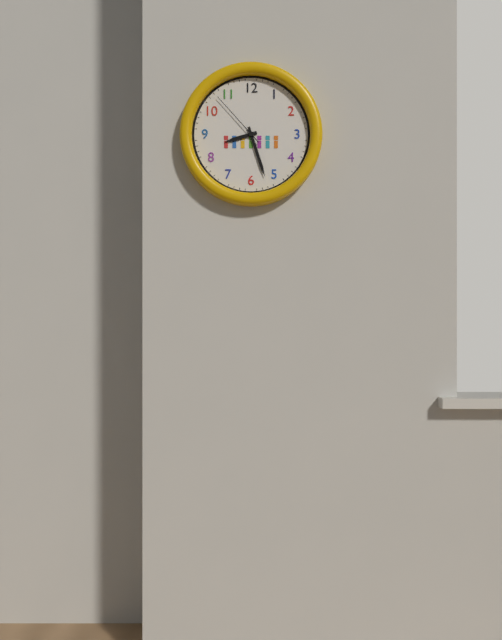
8:27:53
